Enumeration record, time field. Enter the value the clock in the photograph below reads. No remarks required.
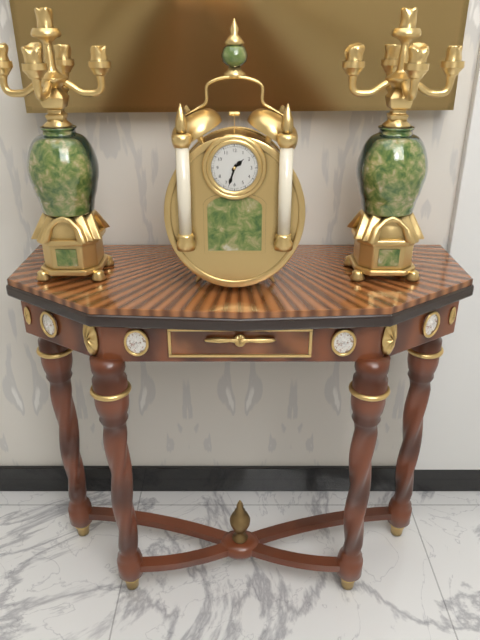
1:33
